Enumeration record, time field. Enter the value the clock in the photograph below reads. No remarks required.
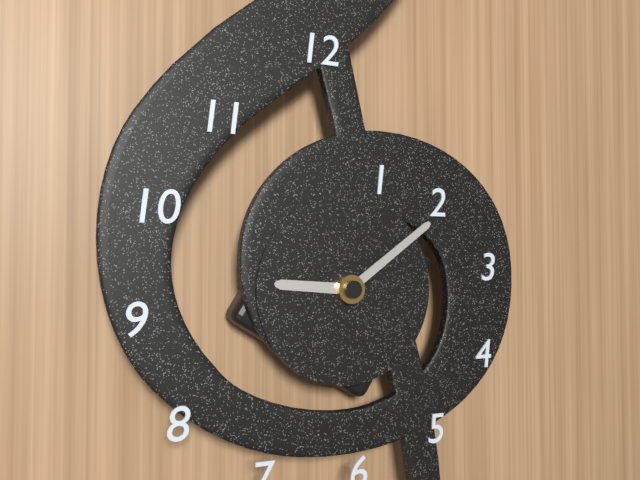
9:09
